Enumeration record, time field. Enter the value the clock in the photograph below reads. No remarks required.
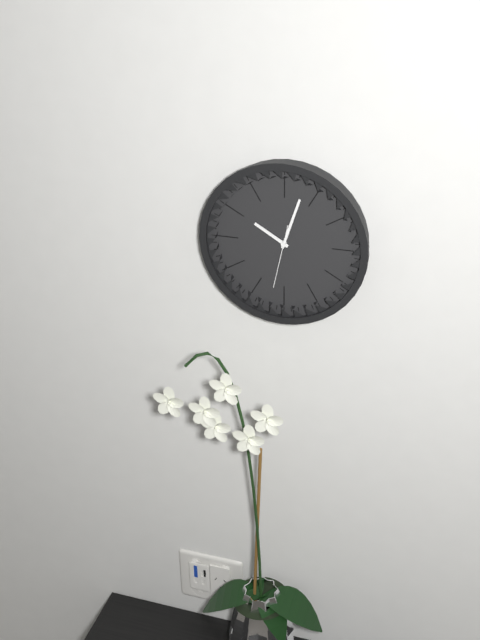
10:03:32
